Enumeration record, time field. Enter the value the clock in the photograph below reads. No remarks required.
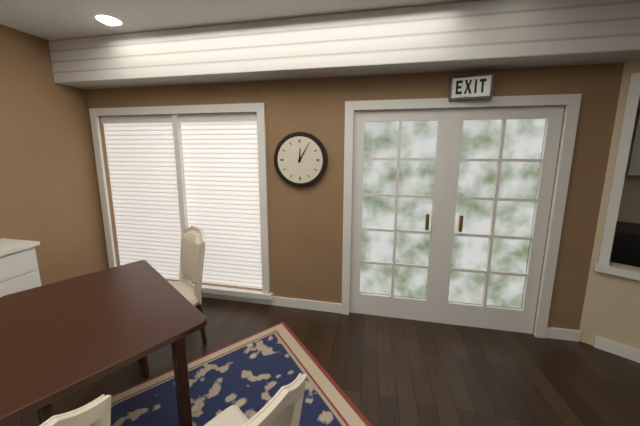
12:05
